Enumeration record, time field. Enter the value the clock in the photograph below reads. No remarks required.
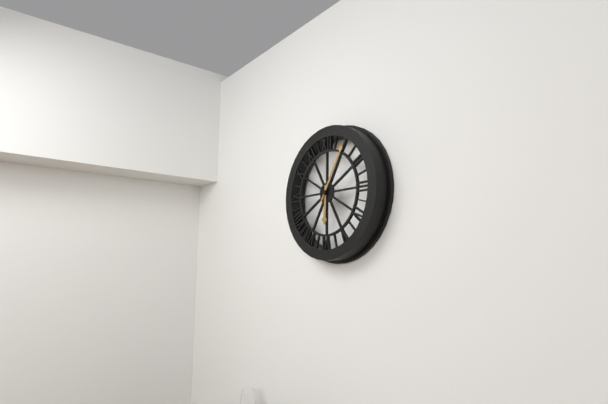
6:05
